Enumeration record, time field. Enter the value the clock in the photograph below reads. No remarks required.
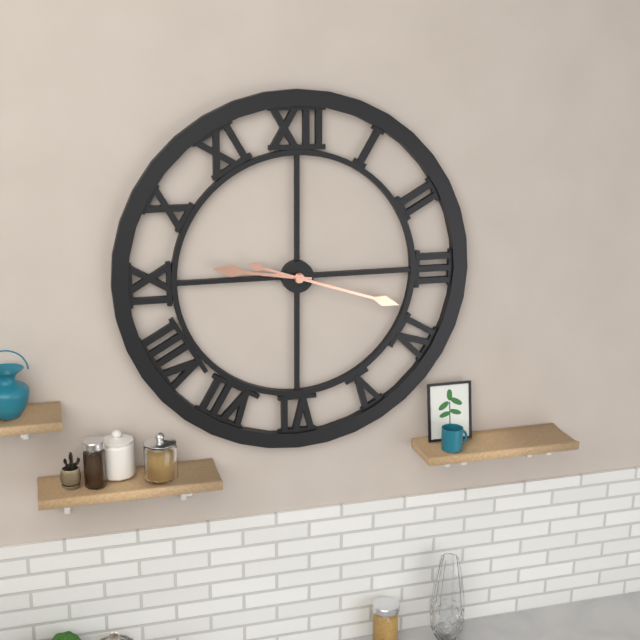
9:18
